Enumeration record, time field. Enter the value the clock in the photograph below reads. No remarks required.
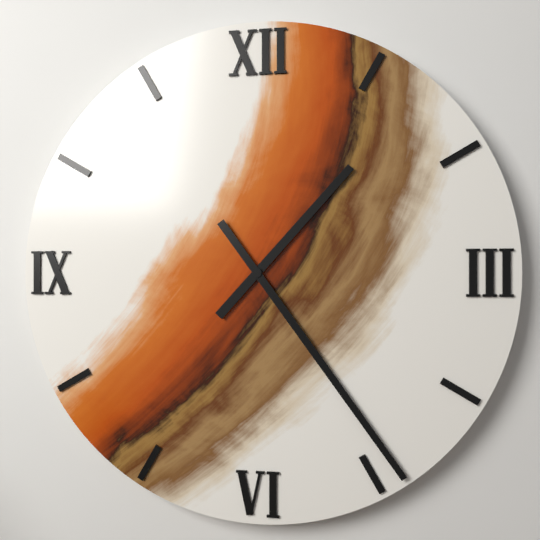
1:24
